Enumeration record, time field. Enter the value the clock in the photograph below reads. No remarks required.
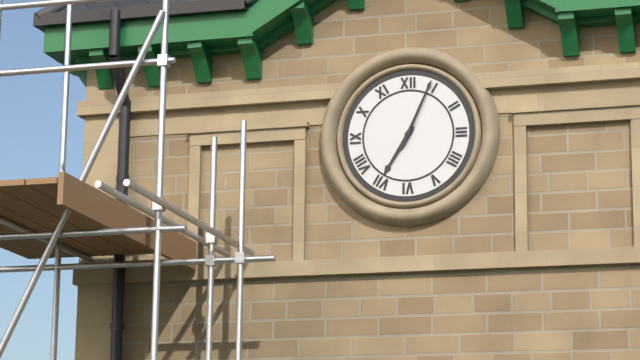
7:04
